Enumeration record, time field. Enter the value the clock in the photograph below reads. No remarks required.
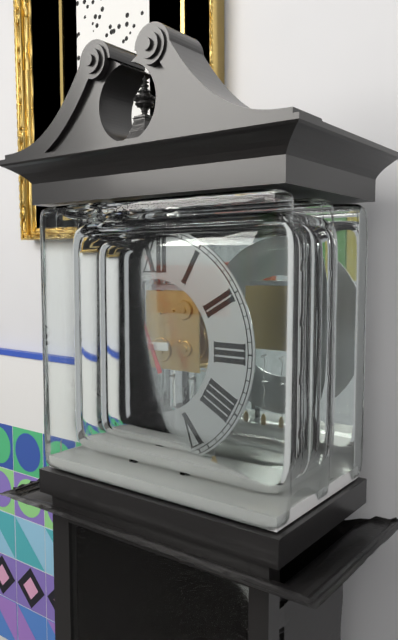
8:56
